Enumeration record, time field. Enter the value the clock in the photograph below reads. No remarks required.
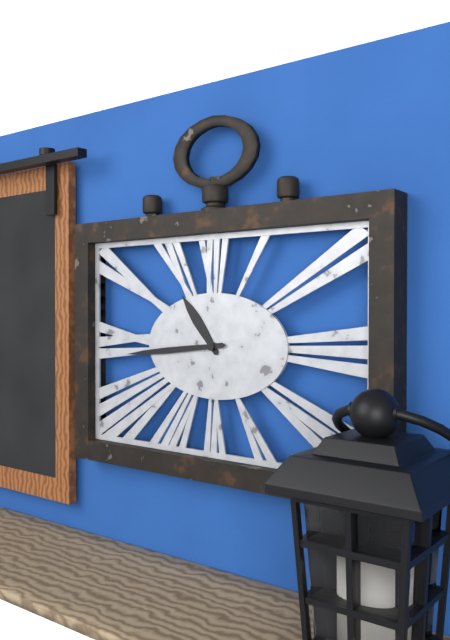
10:44
